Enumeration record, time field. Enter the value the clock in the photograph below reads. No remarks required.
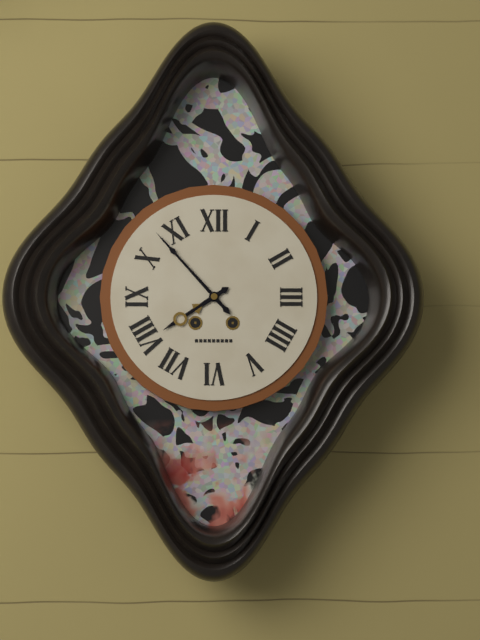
7:53
